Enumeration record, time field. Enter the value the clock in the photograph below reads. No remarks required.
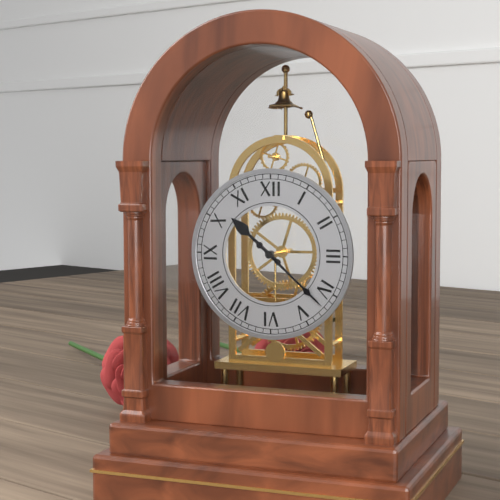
10:22
